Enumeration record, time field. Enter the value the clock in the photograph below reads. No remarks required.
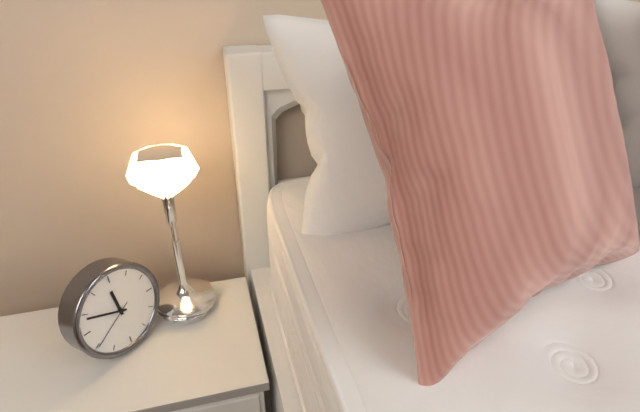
11:49:40
